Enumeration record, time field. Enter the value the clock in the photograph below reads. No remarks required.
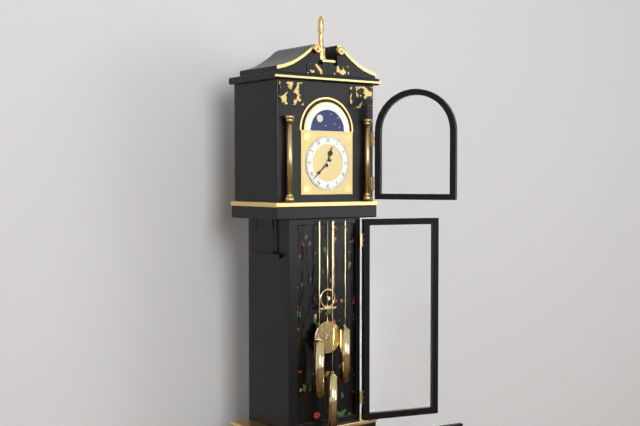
12:38
